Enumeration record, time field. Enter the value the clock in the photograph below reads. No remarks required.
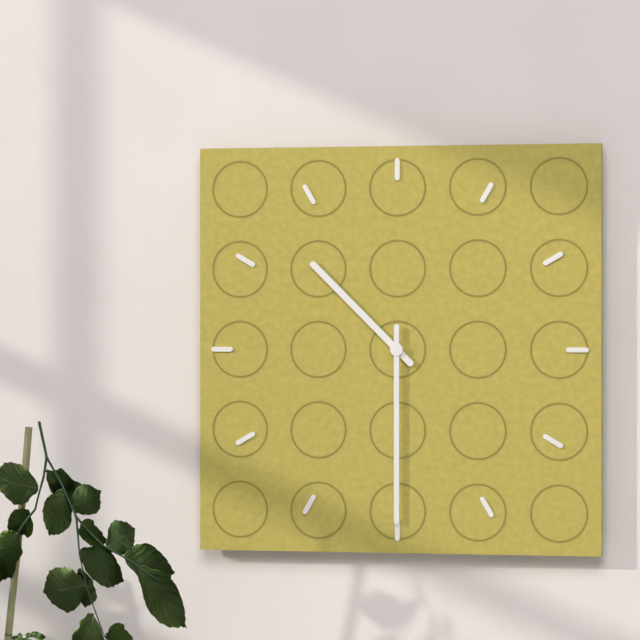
10:30
